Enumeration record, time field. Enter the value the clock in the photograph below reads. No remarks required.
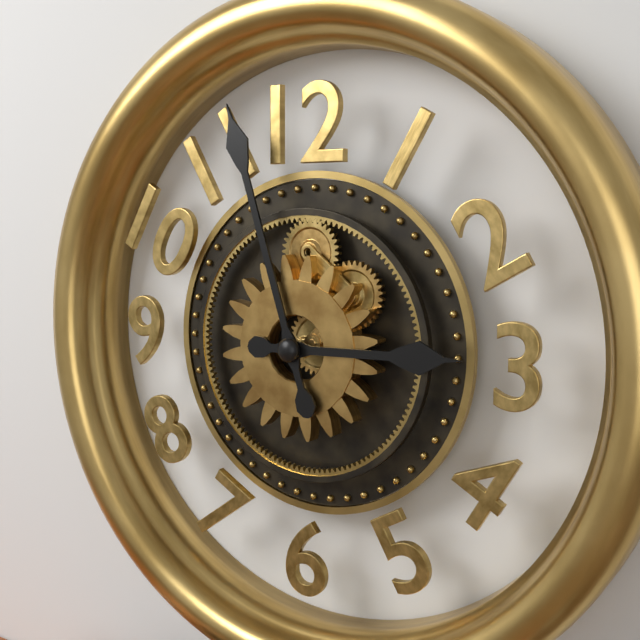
2:57
